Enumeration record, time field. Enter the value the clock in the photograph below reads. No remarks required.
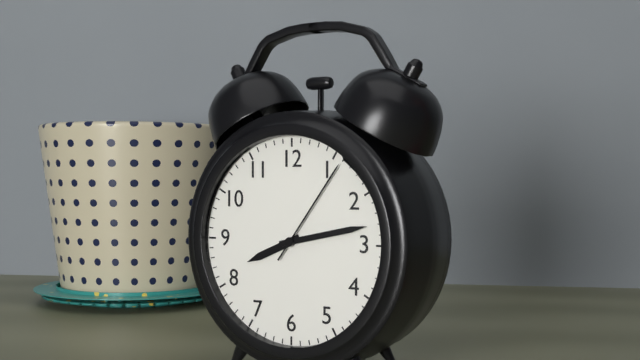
8:13:06
